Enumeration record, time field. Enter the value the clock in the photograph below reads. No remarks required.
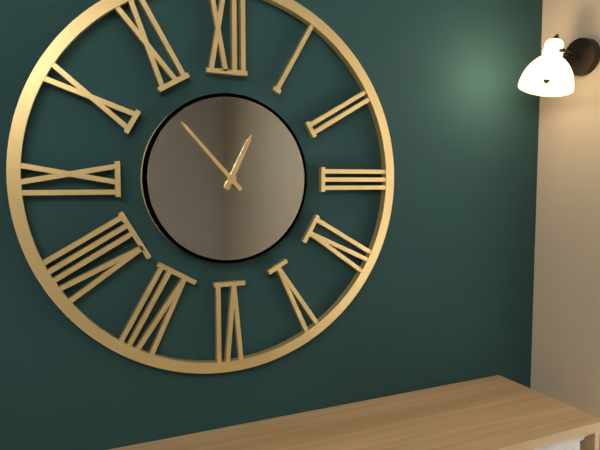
12:53
